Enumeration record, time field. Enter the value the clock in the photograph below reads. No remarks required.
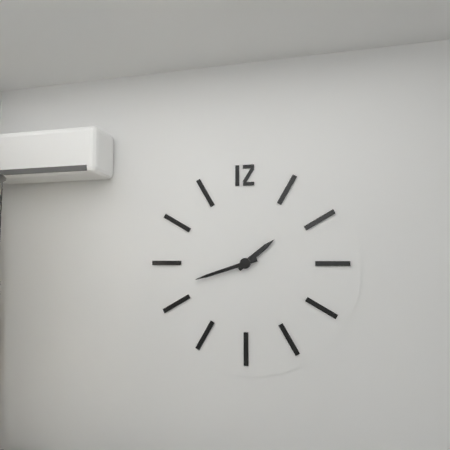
1:42
